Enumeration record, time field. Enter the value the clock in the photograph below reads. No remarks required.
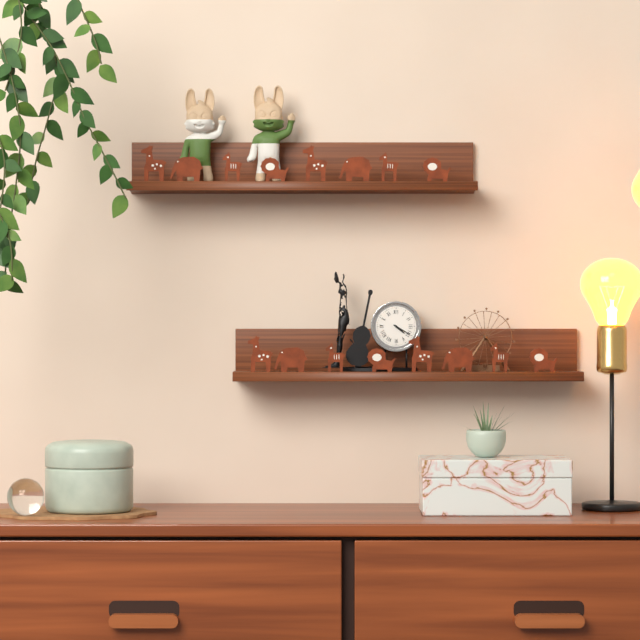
4:20
